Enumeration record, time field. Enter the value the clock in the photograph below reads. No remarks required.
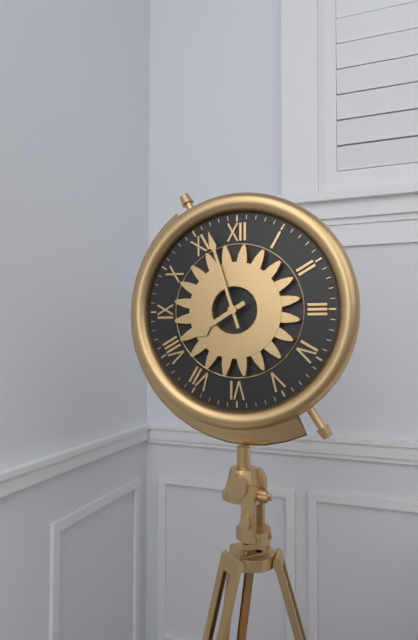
7:57
